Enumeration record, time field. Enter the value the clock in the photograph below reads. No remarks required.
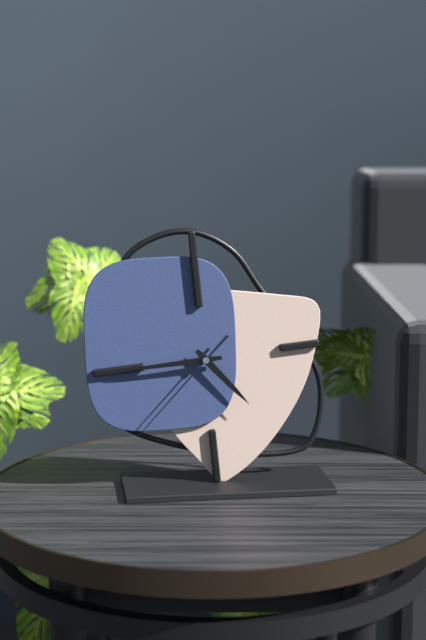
4:45:38
